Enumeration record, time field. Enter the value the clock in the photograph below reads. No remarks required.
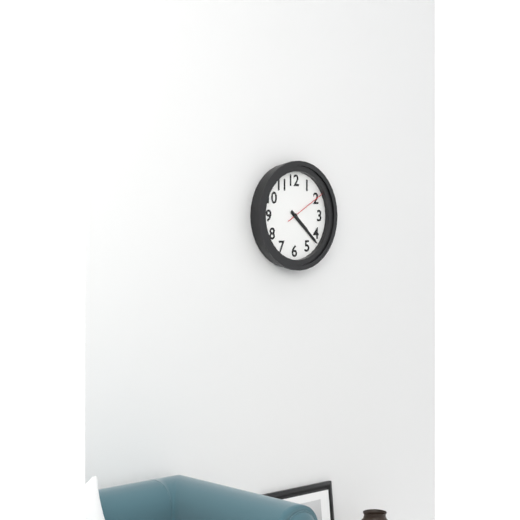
4:22
